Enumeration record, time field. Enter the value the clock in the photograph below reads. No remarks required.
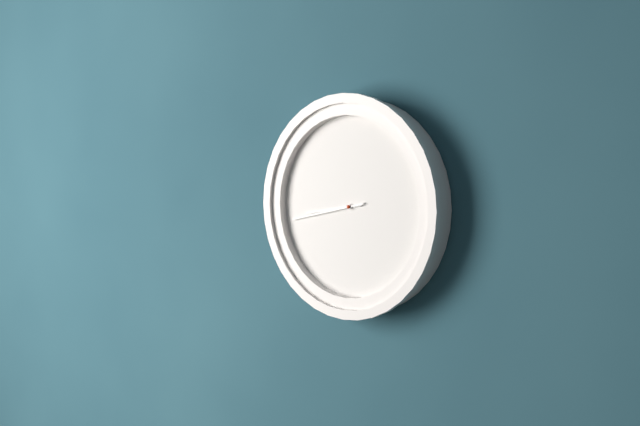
8:43
